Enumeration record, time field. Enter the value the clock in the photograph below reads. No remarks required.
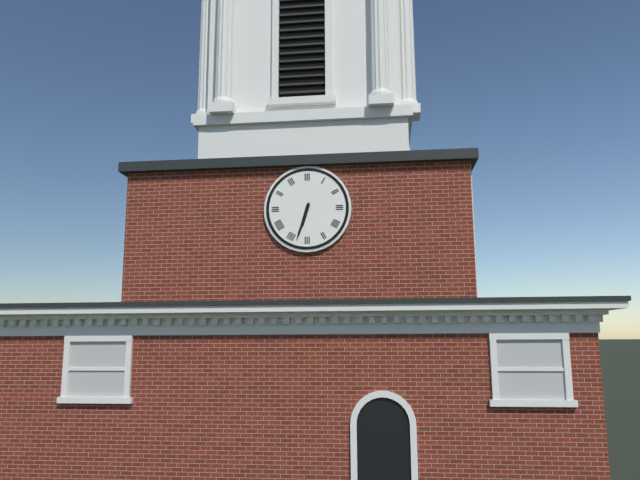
6:33
